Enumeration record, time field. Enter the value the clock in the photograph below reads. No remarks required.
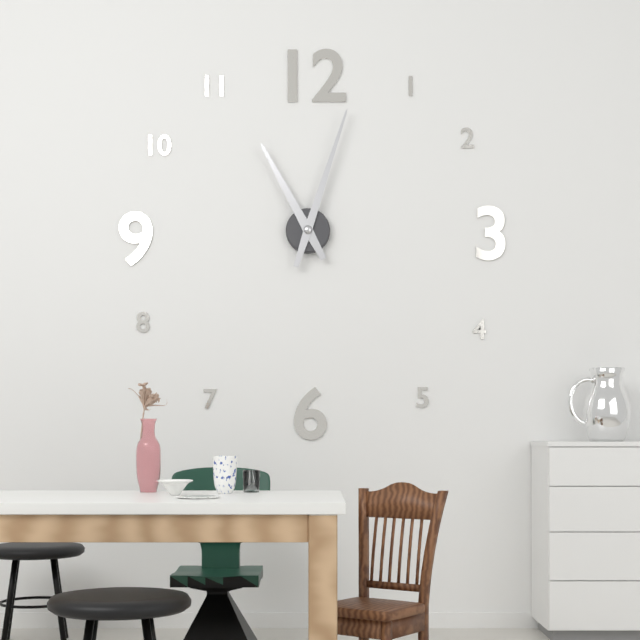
11:03
